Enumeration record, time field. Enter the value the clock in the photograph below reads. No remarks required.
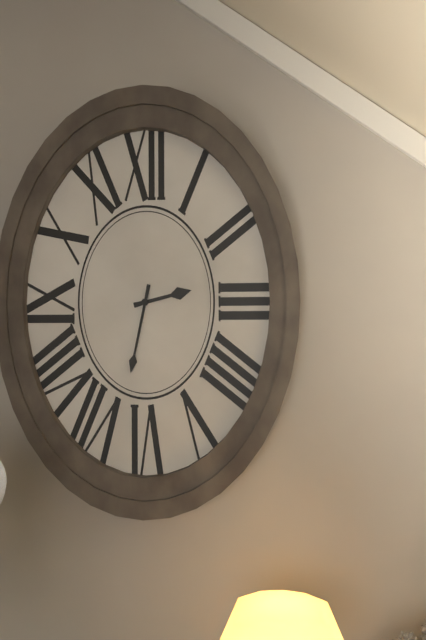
2:32
